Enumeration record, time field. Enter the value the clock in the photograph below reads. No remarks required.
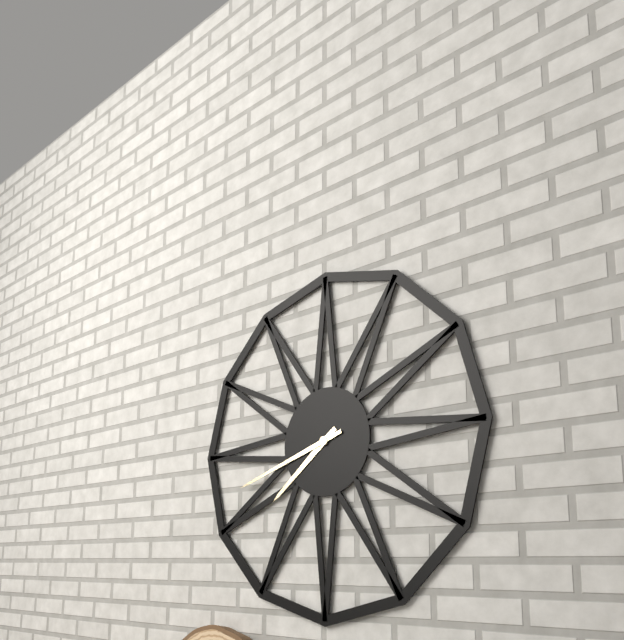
7:42
